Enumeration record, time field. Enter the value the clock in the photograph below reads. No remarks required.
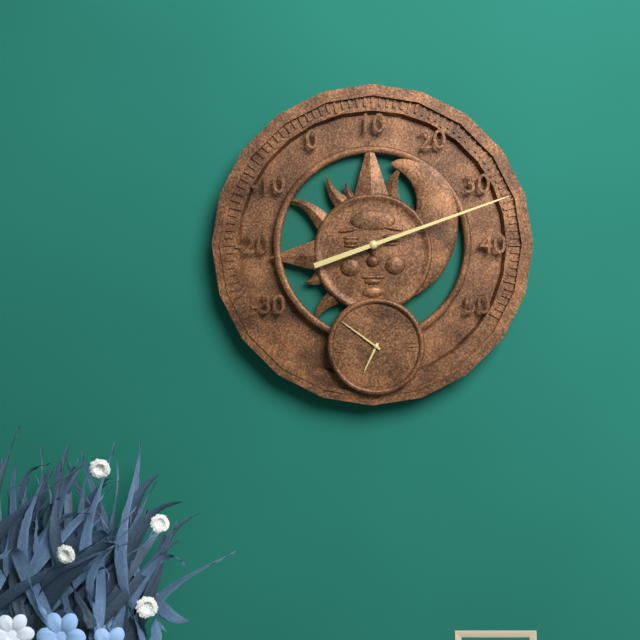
6:51
